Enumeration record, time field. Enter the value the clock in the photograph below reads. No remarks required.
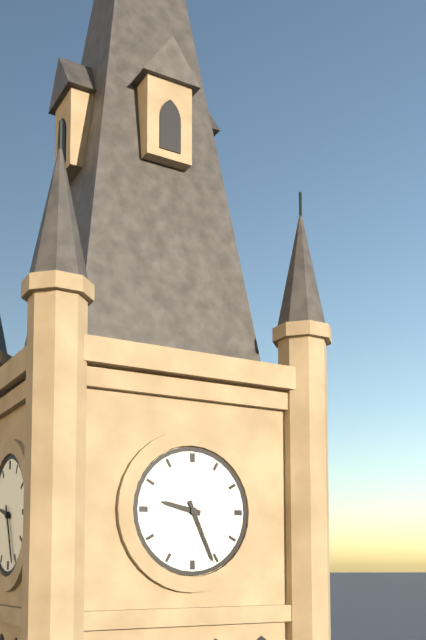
9:26
